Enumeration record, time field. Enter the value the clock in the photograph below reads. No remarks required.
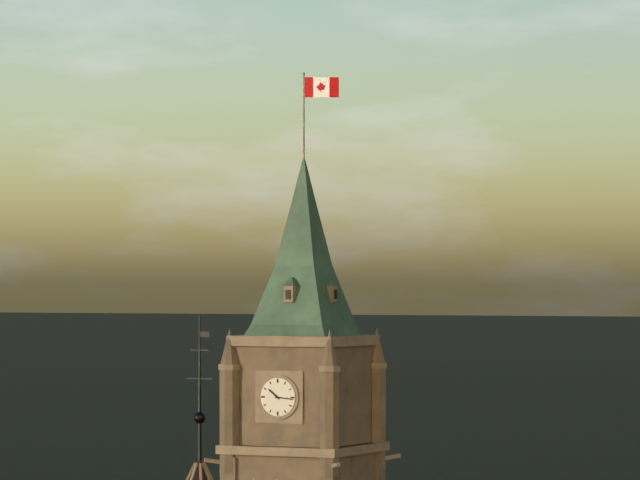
10:16
